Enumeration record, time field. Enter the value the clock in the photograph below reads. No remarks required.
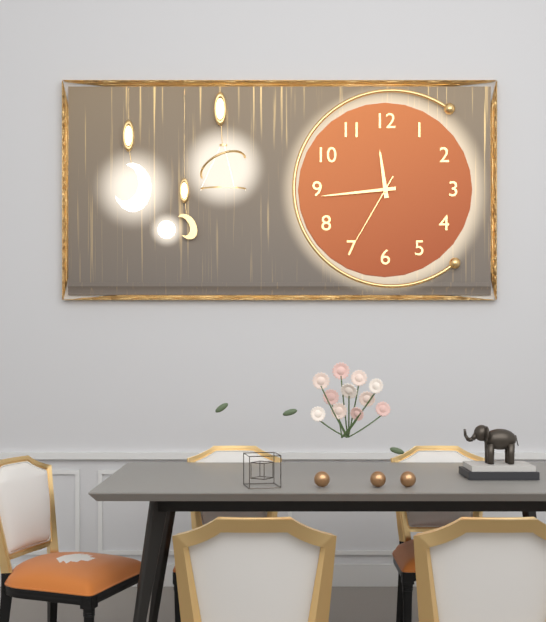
11:44:35
